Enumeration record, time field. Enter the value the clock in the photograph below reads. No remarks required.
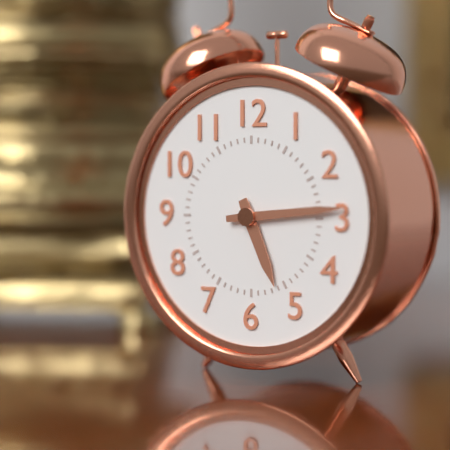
5:14
